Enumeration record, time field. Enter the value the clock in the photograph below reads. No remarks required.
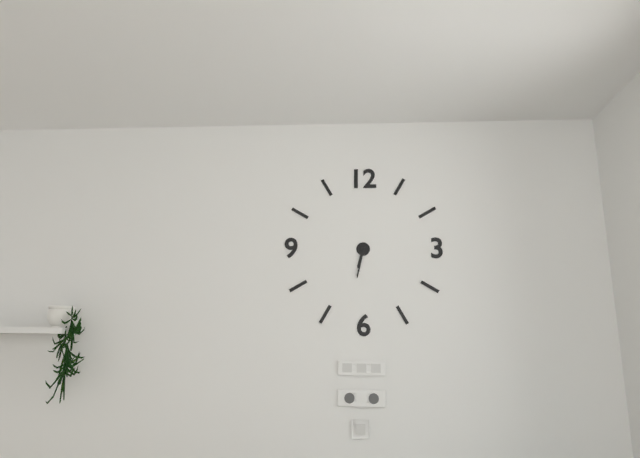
6:32
